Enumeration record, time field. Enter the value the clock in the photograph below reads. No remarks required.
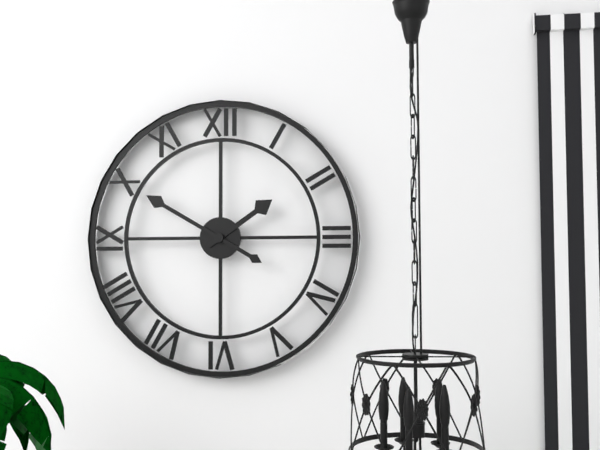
1:50
